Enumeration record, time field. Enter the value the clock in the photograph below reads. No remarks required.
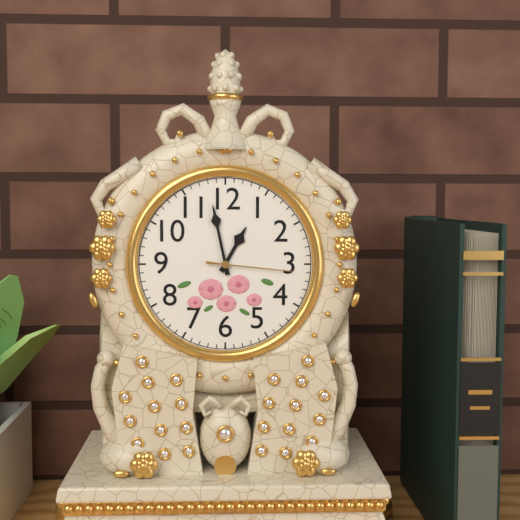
12:58:16
